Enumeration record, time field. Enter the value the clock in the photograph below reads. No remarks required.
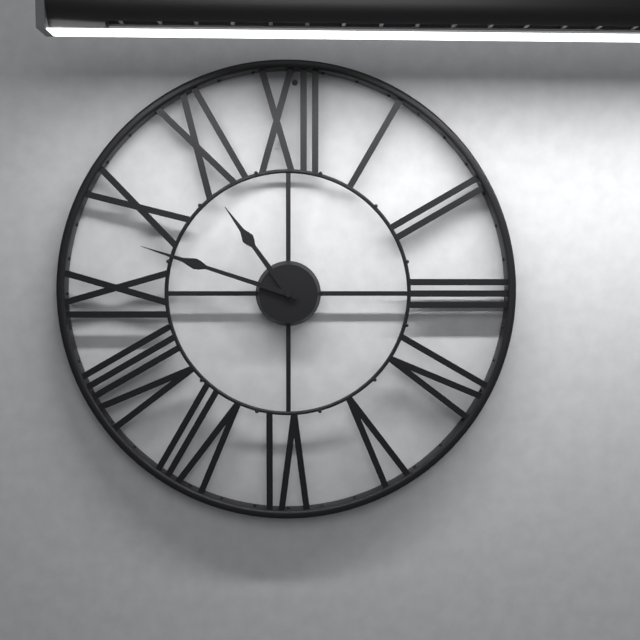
10:48
